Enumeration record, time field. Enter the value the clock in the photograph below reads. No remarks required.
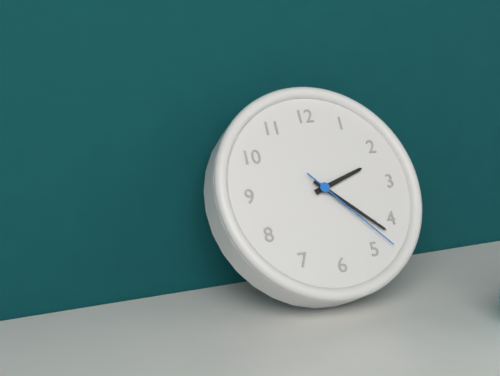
2:22:23
